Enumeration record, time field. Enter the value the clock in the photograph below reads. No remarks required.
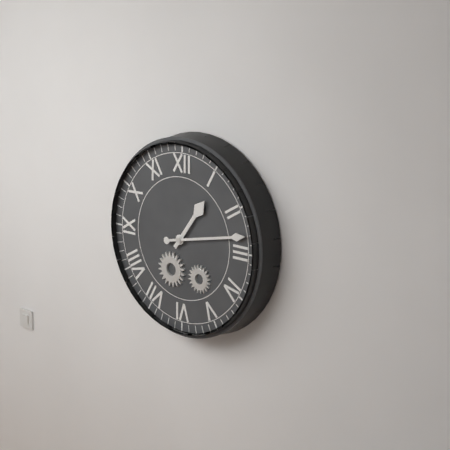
1:13
